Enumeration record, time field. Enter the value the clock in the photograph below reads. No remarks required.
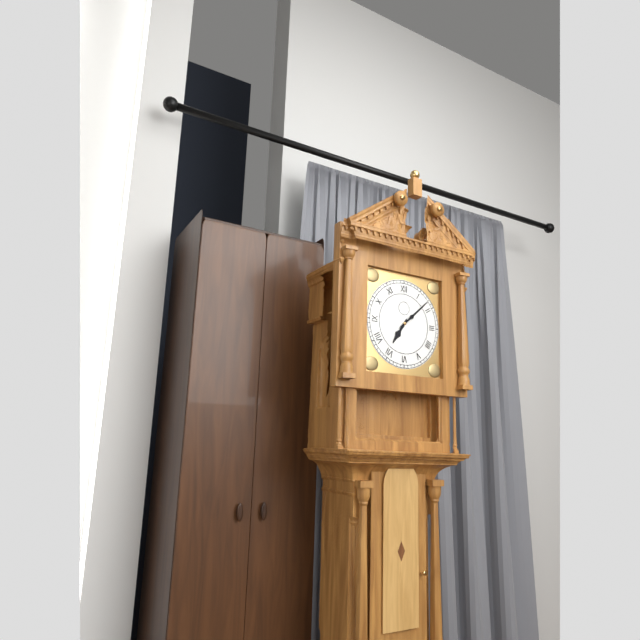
7:08
